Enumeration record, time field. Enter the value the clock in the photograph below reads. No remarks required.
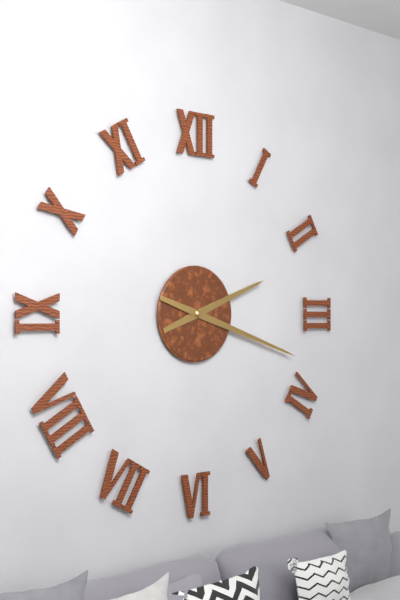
2:18
